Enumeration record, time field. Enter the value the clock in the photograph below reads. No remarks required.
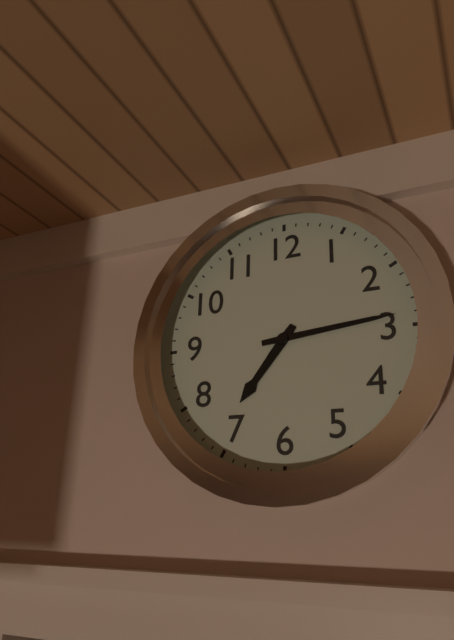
7:14
